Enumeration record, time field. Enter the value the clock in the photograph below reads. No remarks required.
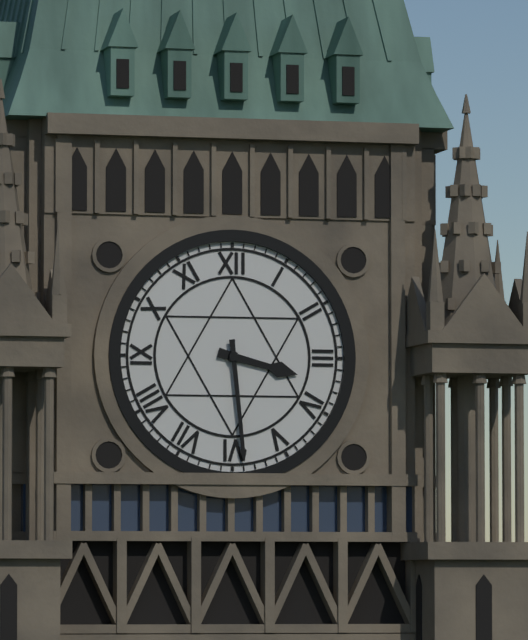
3:29
